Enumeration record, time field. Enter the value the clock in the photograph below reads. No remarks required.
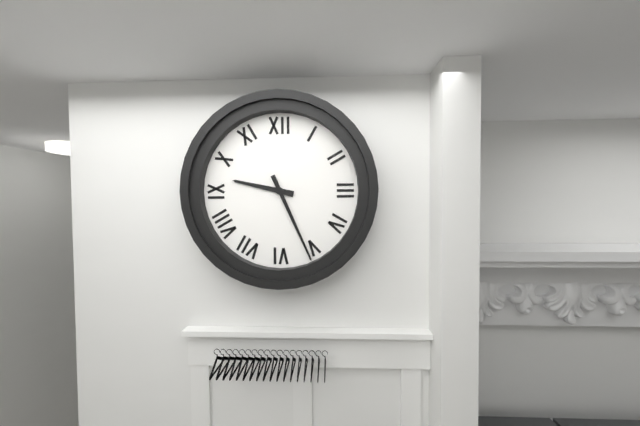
9:26
